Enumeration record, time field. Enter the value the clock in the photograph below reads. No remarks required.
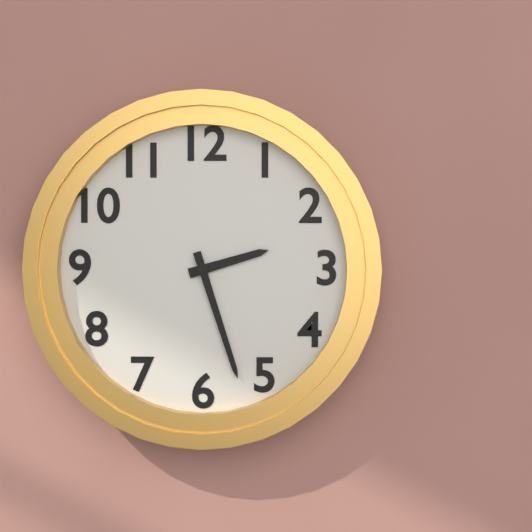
2:27
